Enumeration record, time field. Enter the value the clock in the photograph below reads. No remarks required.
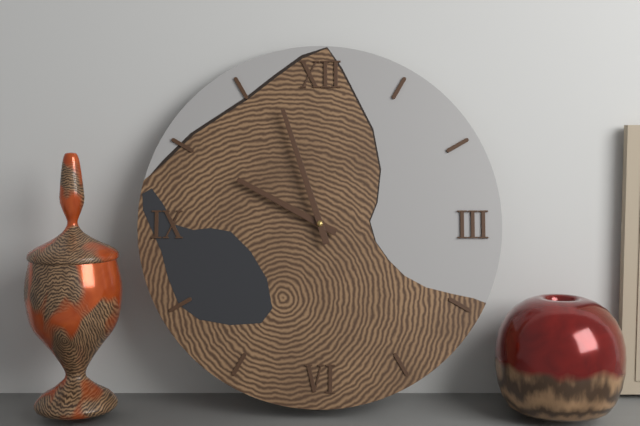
9:57
